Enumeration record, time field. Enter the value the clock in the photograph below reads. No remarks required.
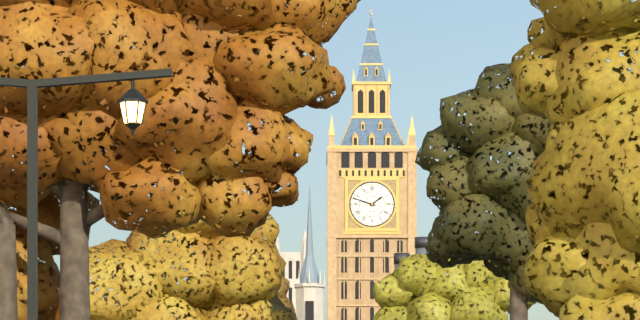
1:48
